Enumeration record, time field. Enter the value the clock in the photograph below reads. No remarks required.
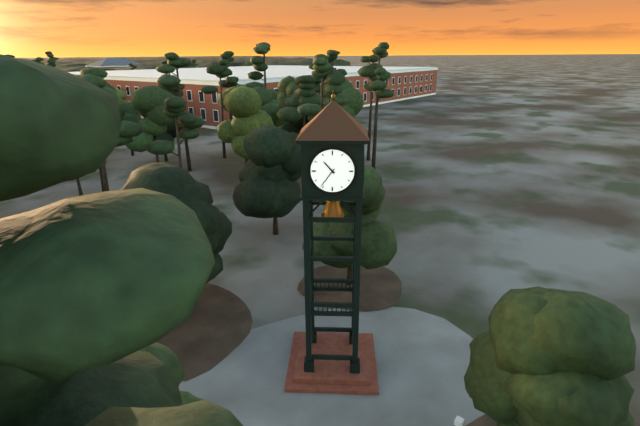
10:36
